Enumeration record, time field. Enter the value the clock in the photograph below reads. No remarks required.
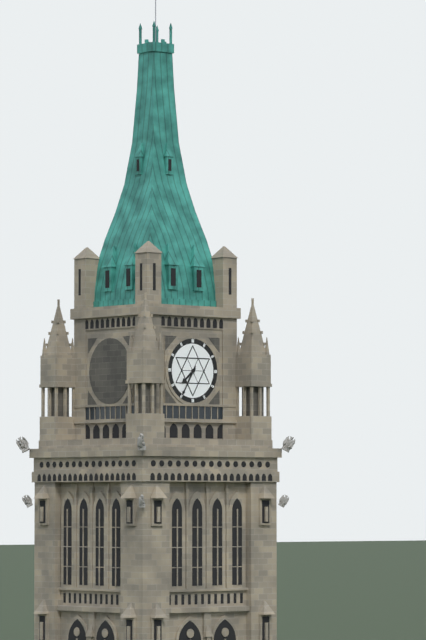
7:35
